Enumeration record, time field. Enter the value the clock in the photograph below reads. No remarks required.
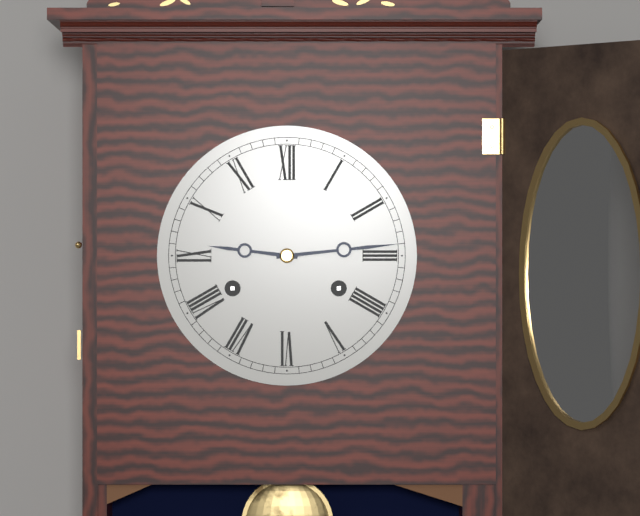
9:14
